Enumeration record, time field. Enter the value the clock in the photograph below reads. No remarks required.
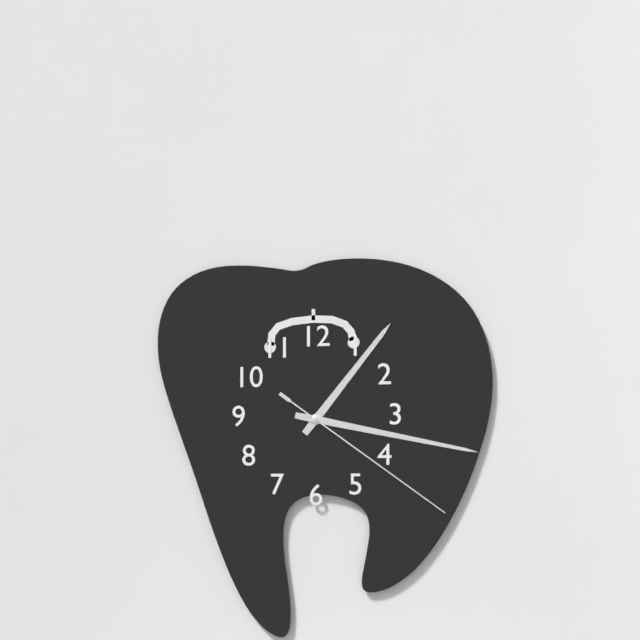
1:17:21
